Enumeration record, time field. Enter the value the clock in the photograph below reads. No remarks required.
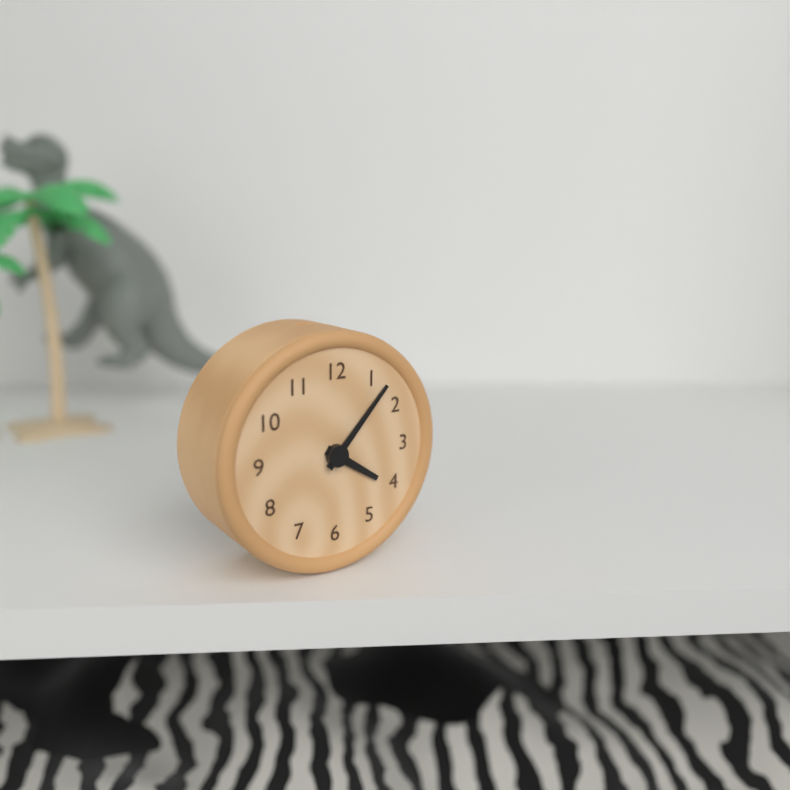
4:07
